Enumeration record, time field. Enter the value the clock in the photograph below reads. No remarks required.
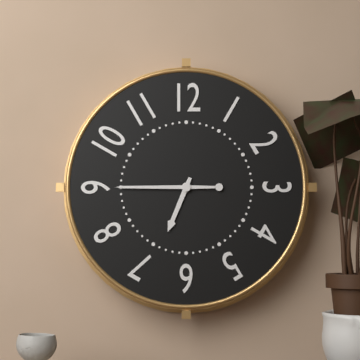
6:45
